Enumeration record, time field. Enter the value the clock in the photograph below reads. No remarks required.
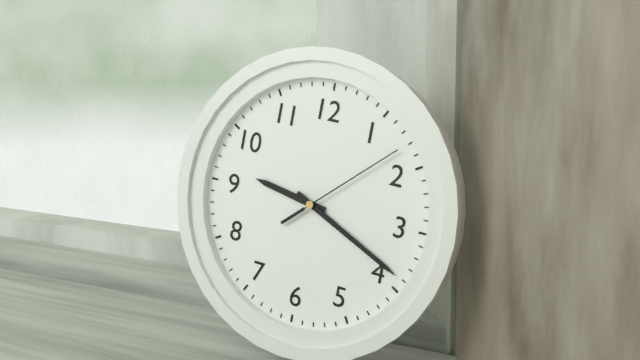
9:19:08
